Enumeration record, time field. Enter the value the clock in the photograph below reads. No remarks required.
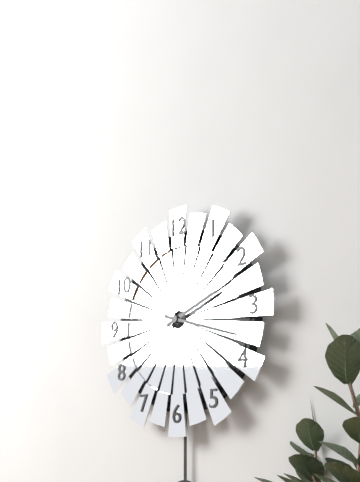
2:18
